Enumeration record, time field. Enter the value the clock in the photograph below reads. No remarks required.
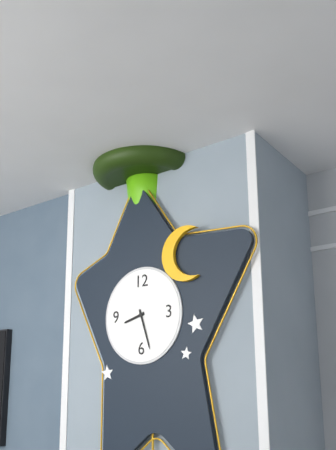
8:27
